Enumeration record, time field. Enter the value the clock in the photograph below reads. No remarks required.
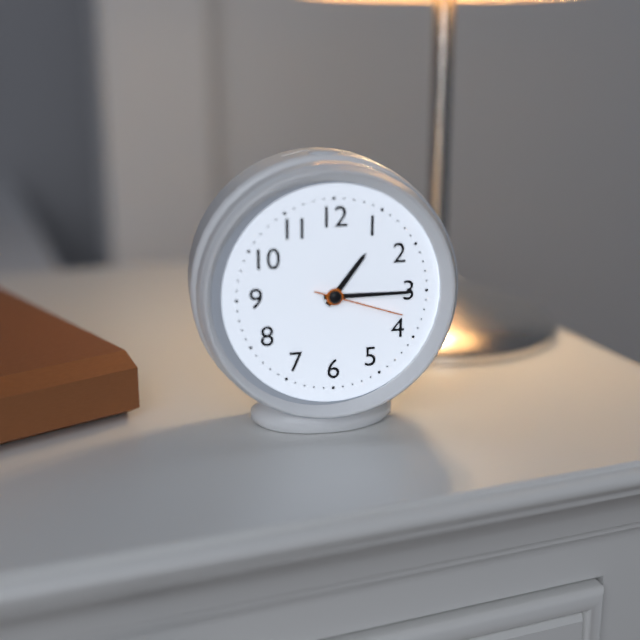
1:15:18
